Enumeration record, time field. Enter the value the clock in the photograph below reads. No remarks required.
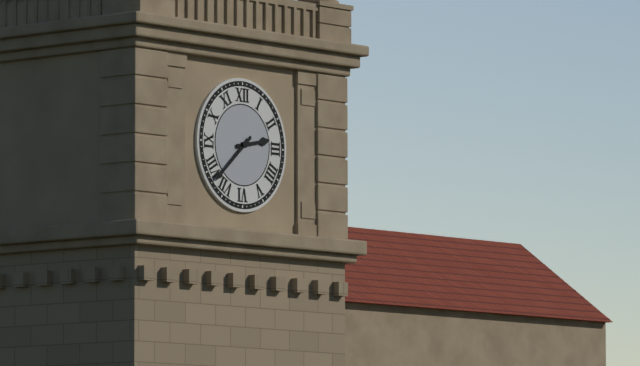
2:38
